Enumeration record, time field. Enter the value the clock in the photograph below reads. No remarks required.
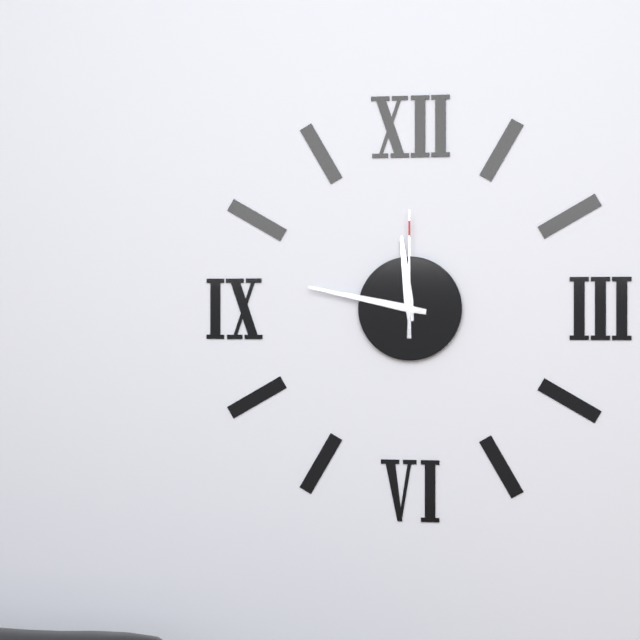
11:47:00
